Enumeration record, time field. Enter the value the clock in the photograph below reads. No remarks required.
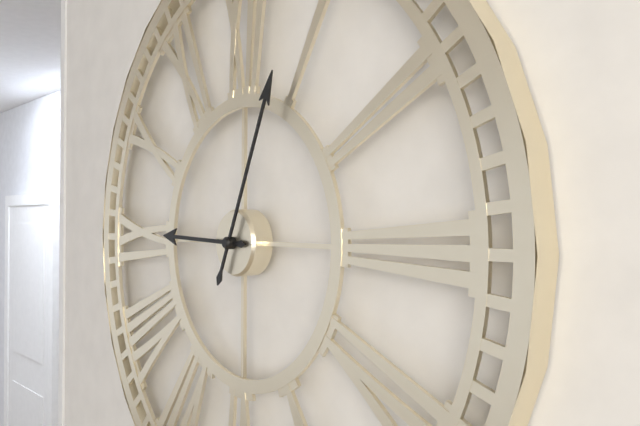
9:04
